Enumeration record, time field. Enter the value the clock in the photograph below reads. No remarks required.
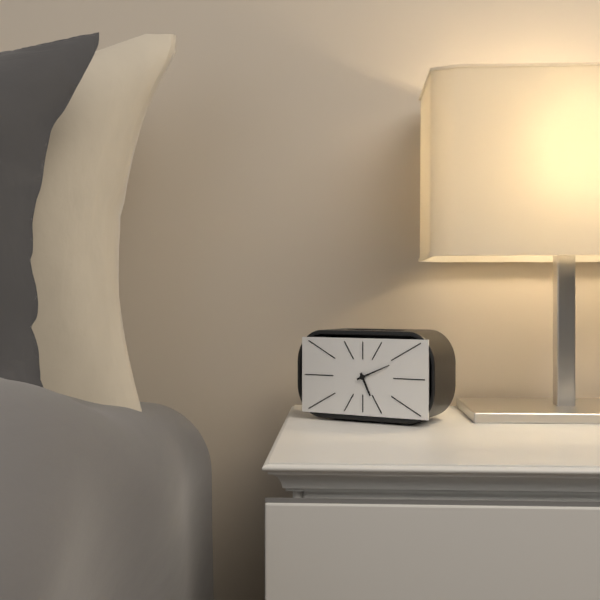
5:11
